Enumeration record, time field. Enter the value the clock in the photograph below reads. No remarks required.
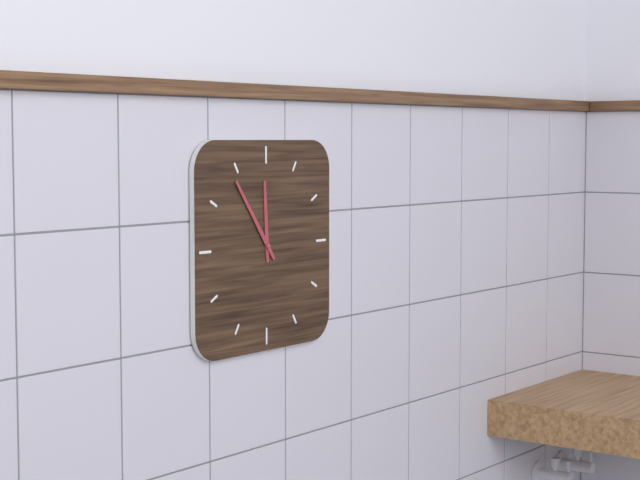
11:54
